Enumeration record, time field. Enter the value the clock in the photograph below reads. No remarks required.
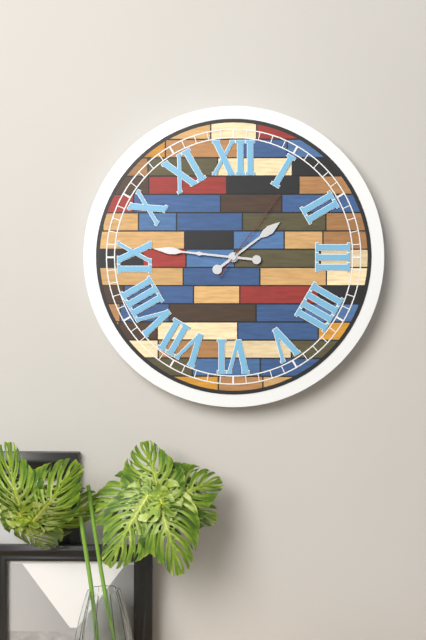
1:46:06
